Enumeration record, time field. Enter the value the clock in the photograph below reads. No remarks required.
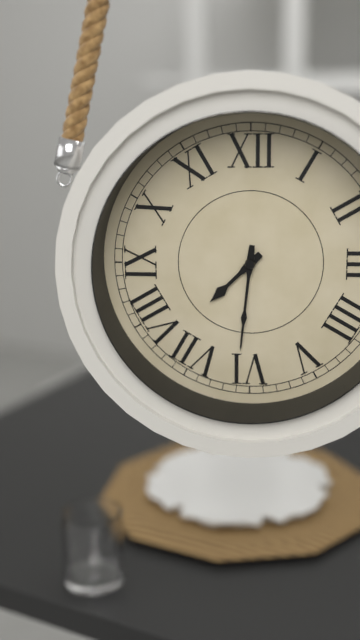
7:31
